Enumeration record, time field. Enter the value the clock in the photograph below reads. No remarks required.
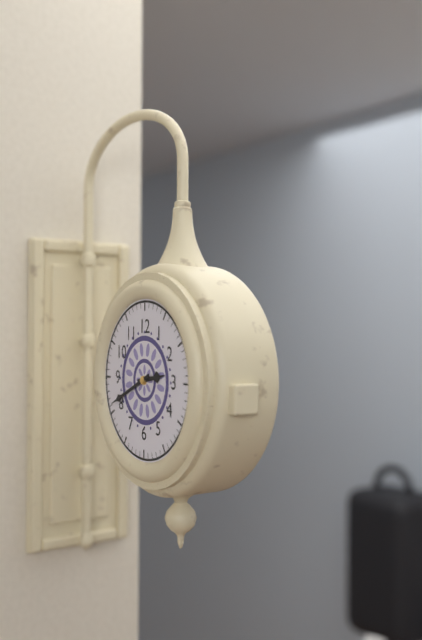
2:41
